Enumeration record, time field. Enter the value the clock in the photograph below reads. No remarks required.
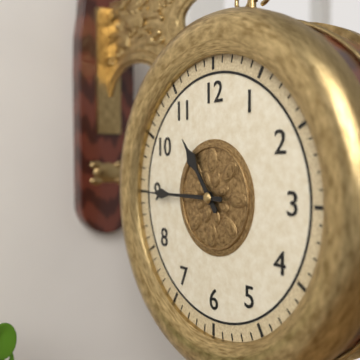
10:45
